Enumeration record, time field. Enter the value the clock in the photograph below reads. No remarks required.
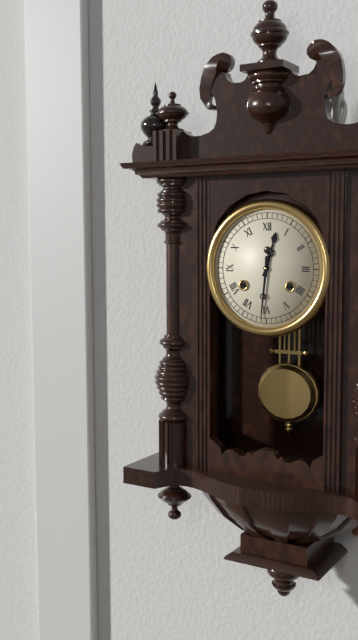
12:31
